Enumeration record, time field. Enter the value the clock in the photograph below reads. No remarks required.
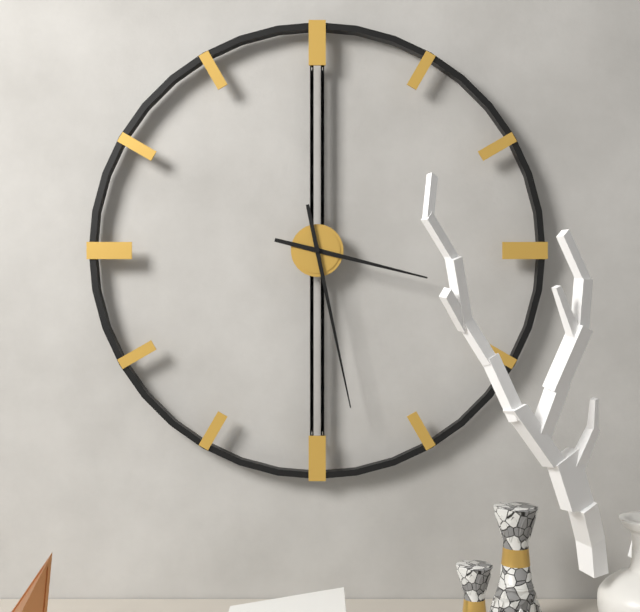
3:28
